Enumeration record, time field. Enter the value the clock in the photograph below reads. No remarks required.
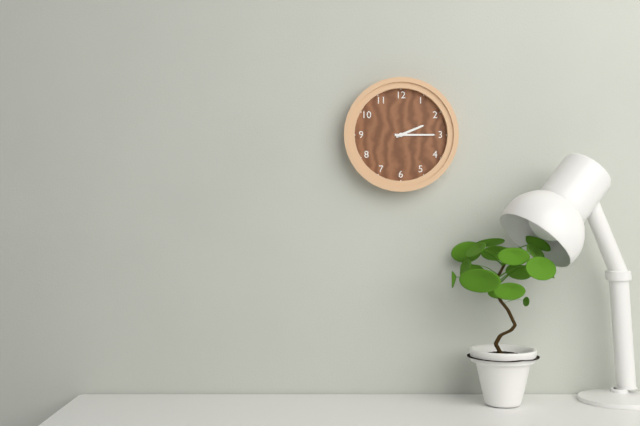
2:15
